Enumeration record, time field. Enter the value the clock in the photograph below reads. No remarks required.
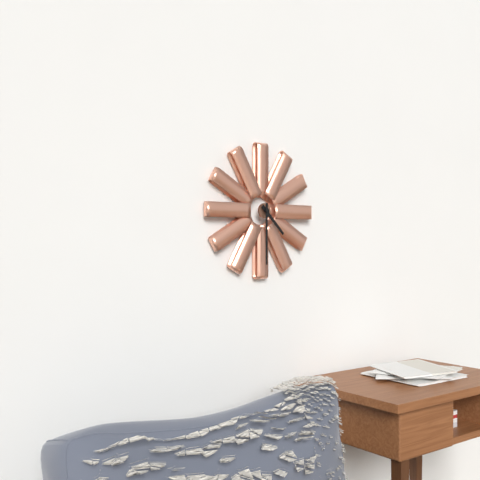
4:30
